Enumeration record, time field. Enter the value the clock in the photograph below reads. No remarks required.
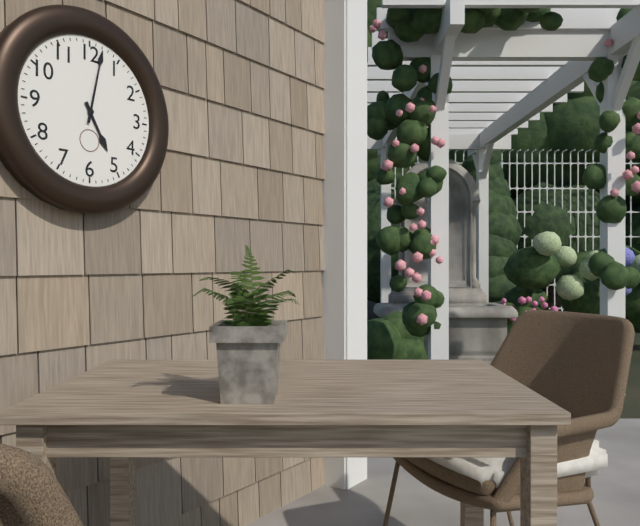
5:02
